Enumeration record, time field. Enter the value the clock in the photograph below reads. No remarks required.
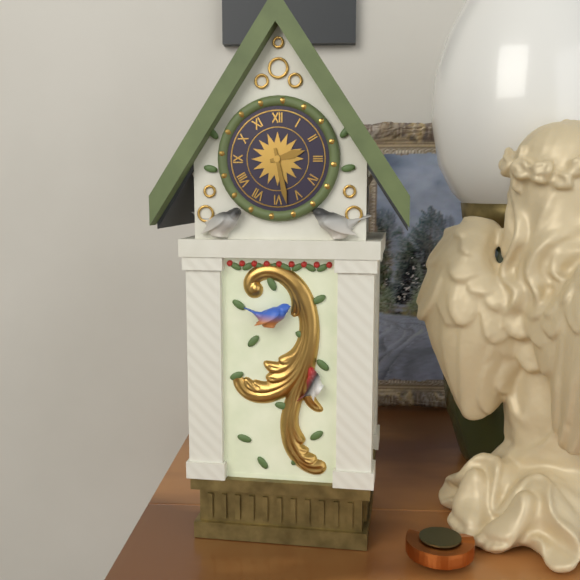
2:28
